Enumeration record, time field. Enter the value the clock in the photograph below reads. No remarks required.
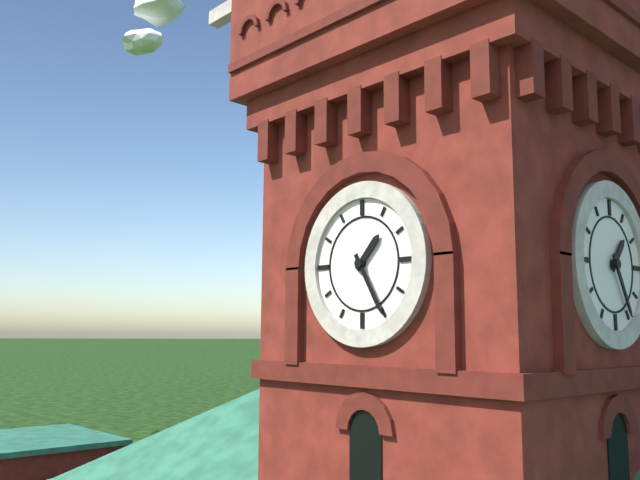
1:25
